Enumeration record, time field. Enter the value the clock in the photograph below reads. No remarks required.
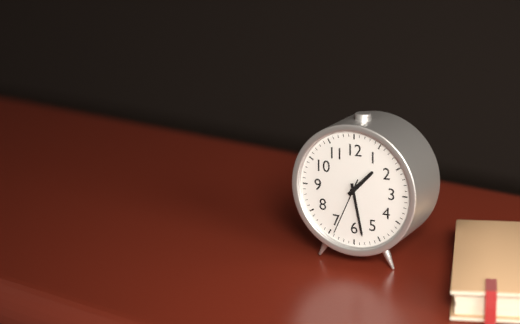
1:28:34
